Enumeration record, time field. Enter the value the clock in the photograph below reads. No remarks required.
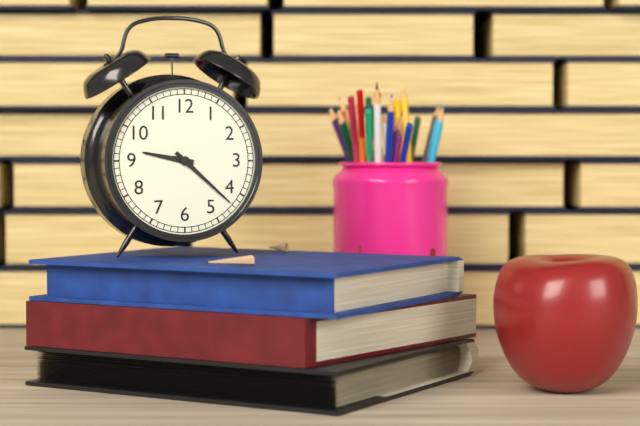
9:22
